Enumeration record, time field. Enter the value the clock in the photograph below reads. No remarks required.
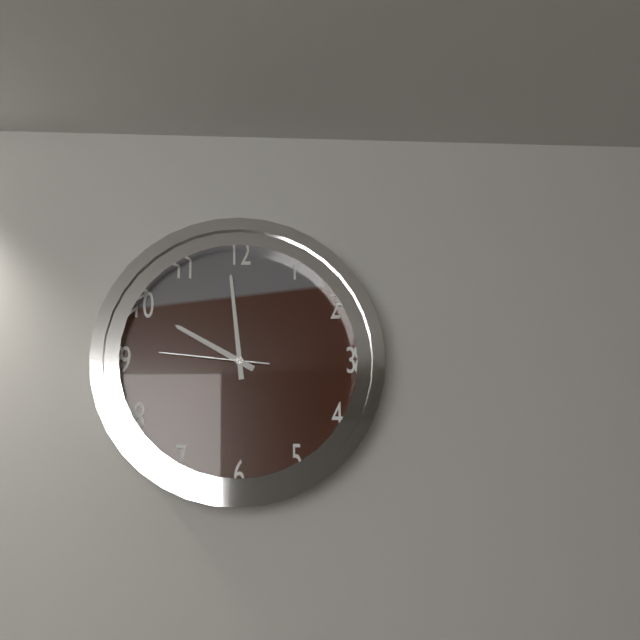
9:59:46
